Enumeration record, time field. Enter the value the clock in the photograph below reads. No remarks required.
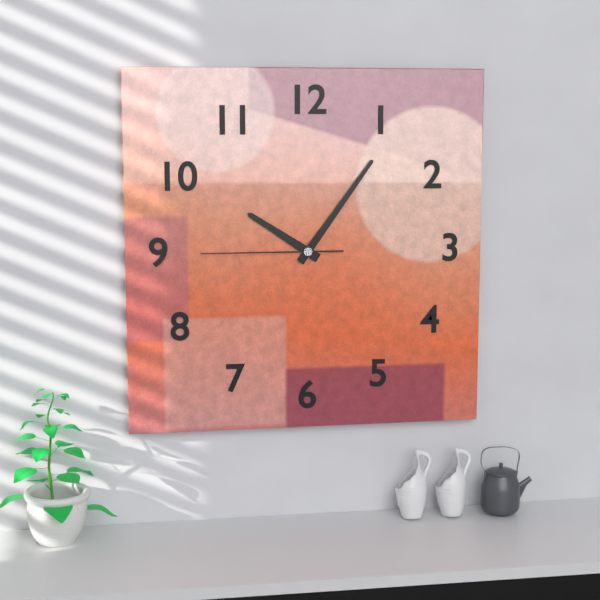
10:06:45
